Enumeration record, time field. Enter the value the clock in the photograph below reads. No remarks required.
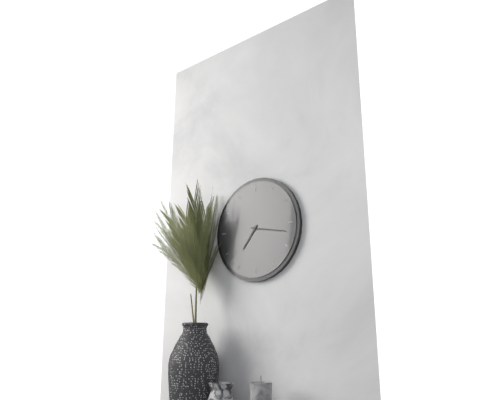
7:17
